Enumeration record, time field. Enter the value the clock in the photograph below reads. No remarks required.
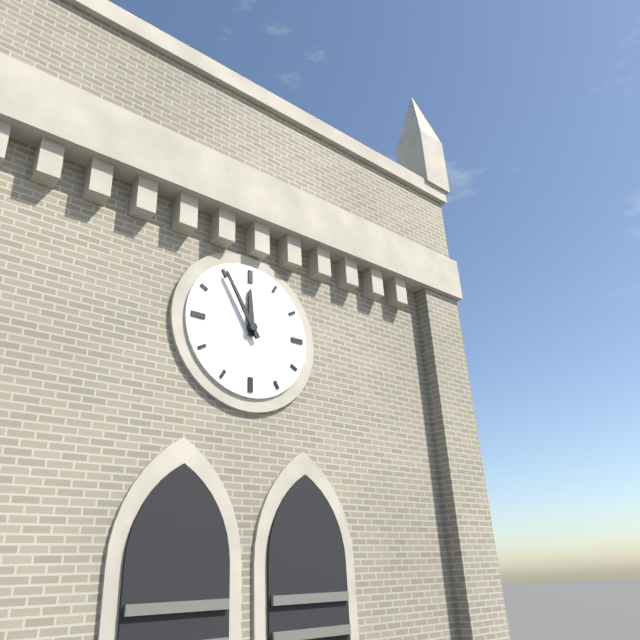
11:55
